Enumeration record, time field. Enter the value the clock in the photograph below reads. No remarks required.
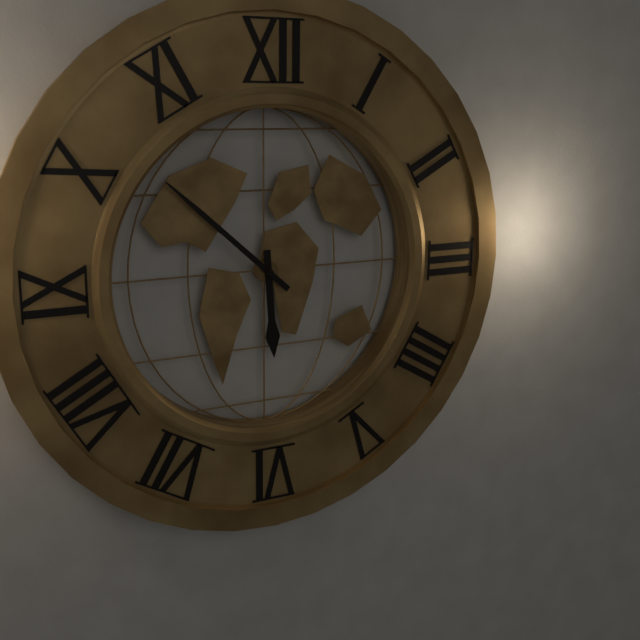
5:52
